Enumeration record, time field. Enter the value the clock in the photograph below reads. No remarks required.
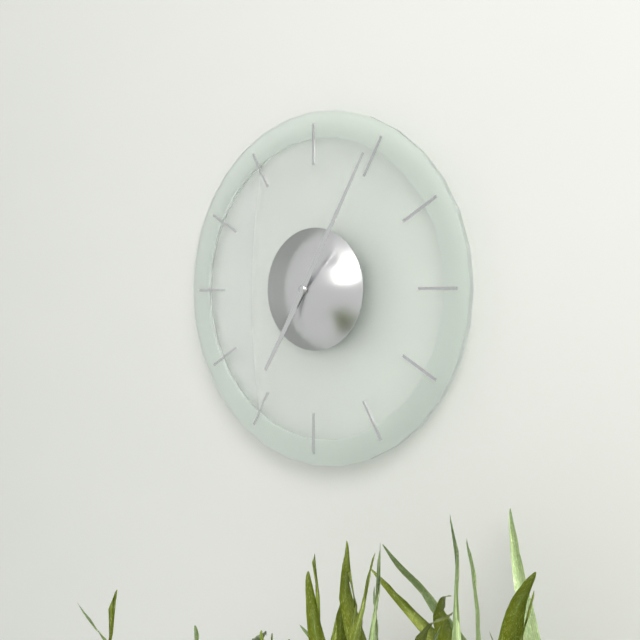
7:05
